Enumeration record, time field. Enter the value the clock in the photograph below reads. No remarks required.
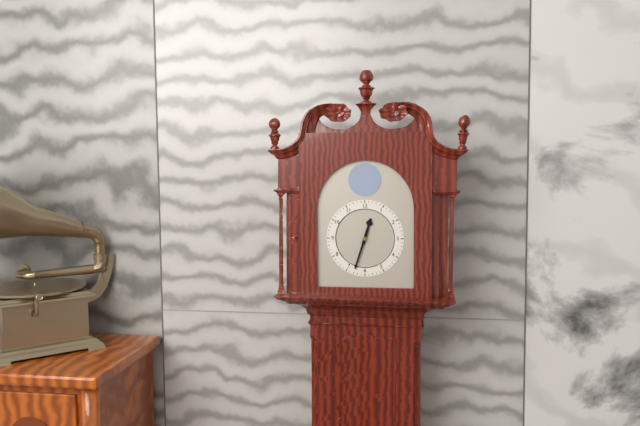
12:33
